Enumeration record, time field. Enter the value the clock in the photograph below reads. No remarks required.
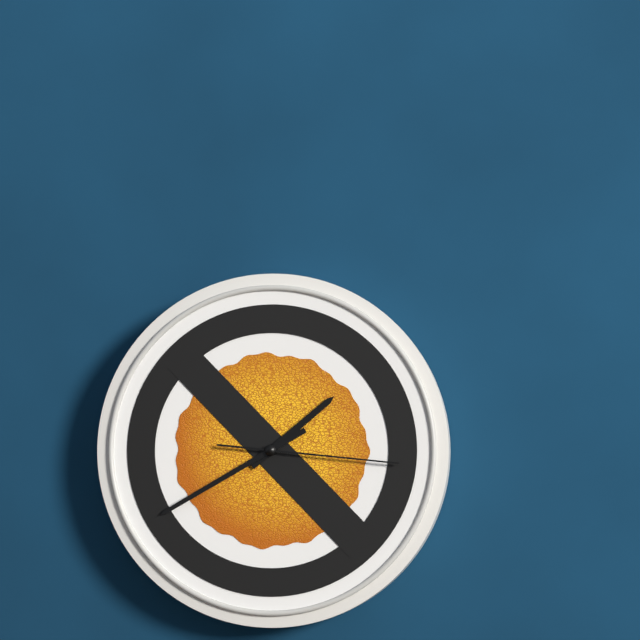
1:40:16
